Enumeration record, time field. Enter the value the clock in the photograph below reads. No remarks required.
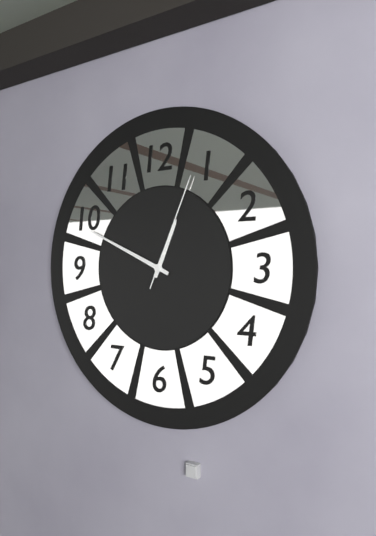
12:49:04
